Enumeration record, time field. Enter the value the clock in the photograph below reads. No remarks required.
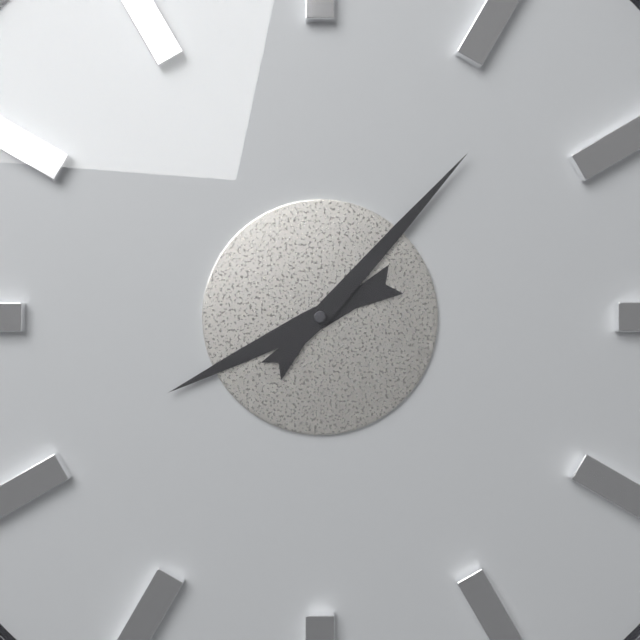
8:07
